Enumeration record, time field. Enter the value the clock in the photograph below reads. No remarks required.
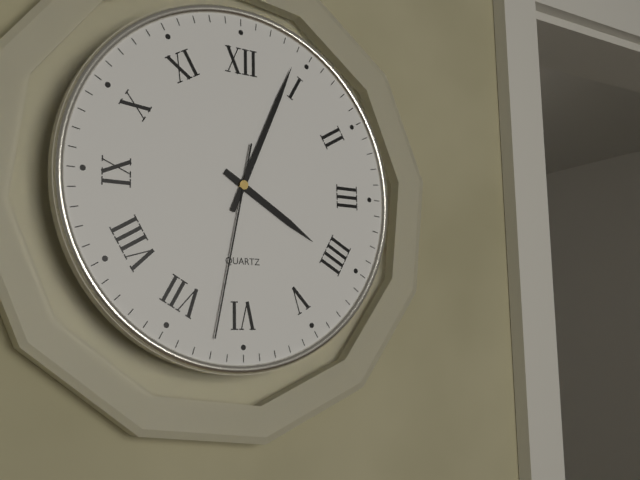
4:04:32
